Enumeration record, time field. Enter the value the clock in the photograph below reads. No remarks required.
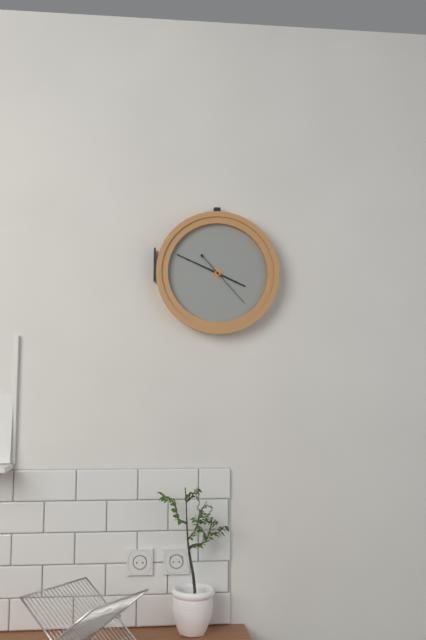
3:49
